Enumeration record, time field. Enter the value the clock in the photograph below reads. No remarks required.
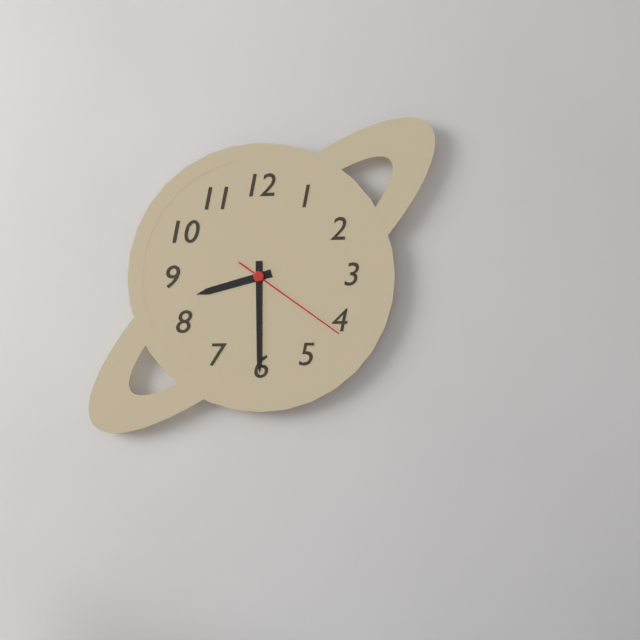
8:30:21
